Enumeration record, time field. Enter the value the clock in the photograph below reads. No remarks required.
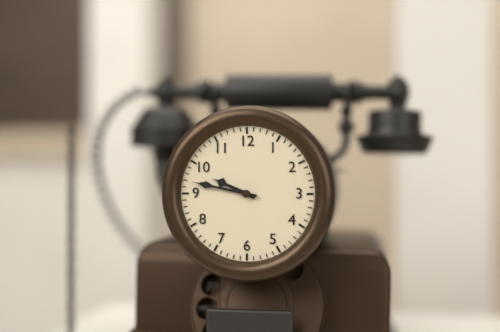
9:47
